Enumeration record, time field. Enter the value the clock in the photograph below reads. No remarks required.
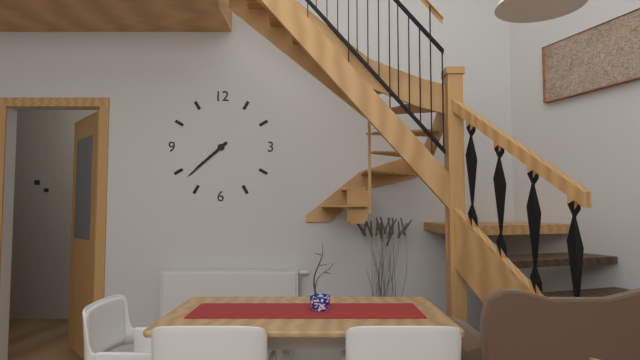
7:38
